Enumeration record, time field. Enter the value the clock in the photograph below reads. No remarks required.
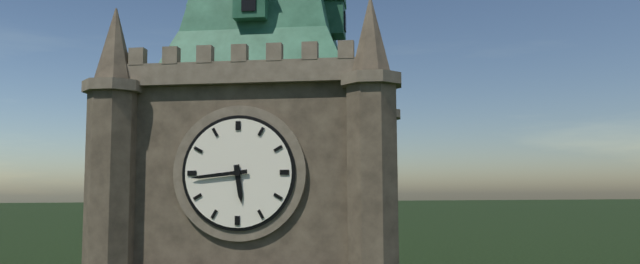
5:44
